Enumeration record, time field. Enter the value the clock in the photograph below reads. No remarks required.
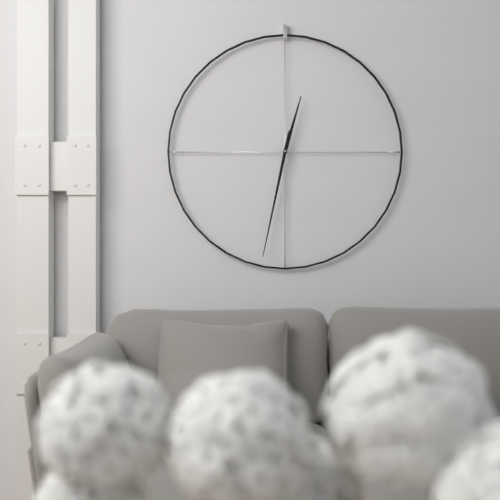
12:32
